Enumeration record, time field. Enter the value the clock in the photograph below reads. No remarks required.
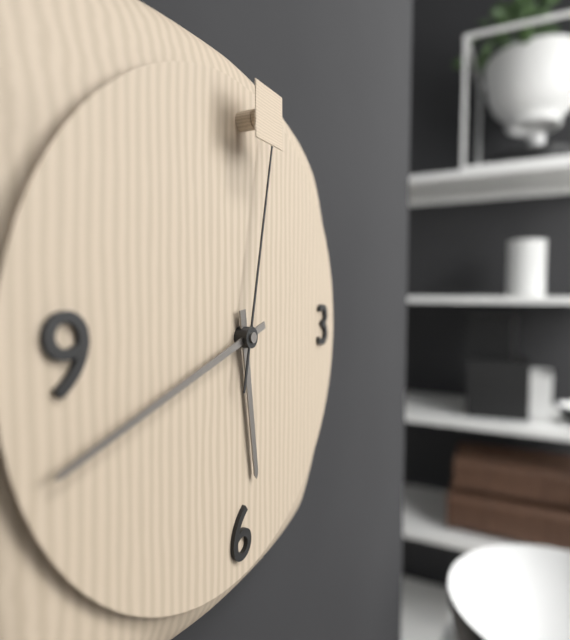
5:42:02
